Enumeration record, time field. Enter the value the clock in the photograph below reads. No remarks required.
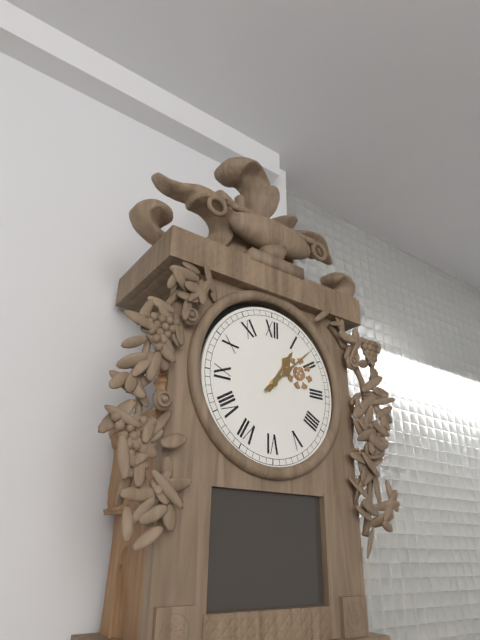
1:08
